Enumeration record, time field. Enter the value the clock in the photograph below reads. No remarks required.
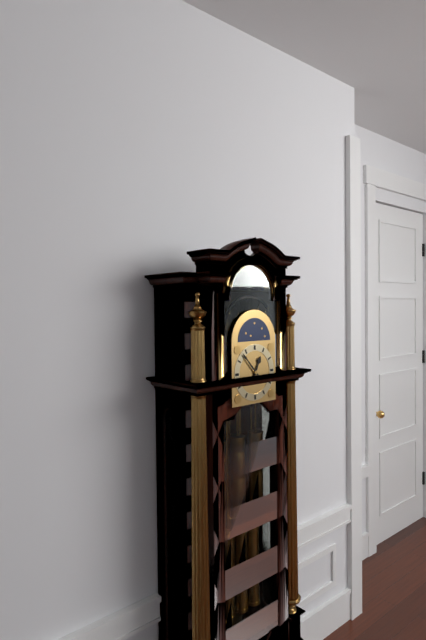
12:53
